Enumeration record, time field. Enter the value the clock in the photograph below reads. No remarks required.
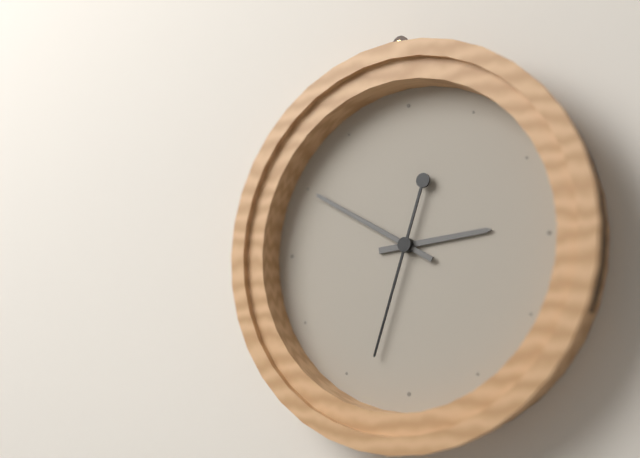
2:50:33
